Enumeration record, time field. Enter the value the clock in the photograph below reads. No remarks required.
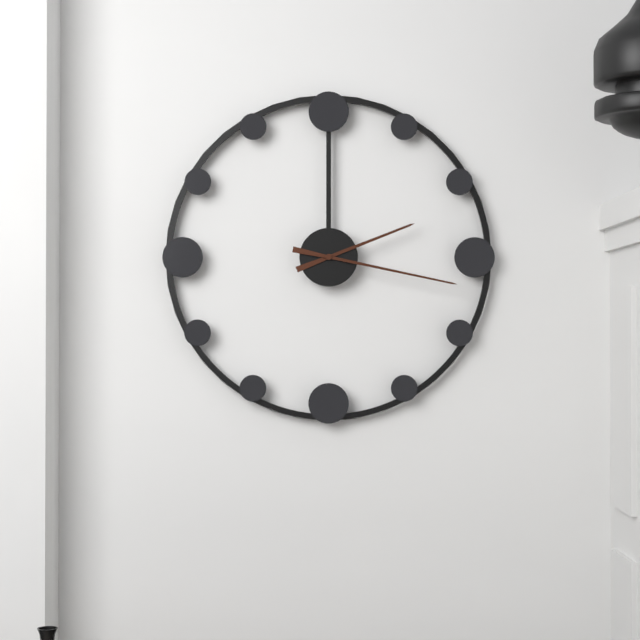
2:17
